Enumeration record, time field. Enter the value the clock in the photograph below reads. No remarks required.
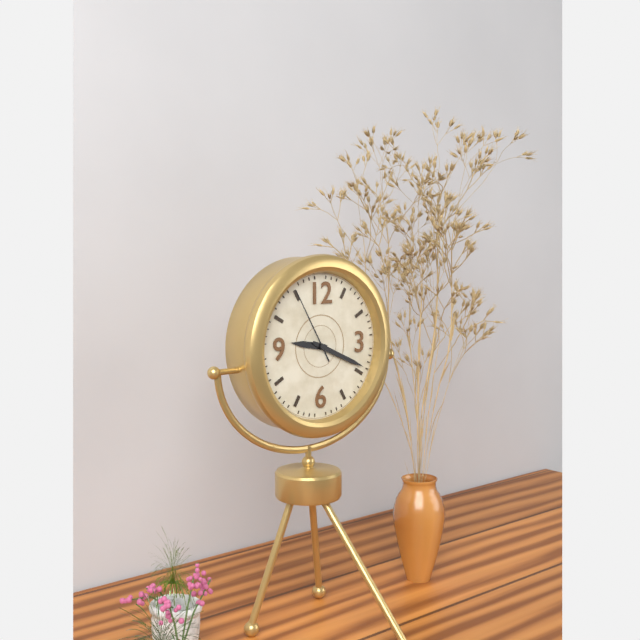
9:19:55
